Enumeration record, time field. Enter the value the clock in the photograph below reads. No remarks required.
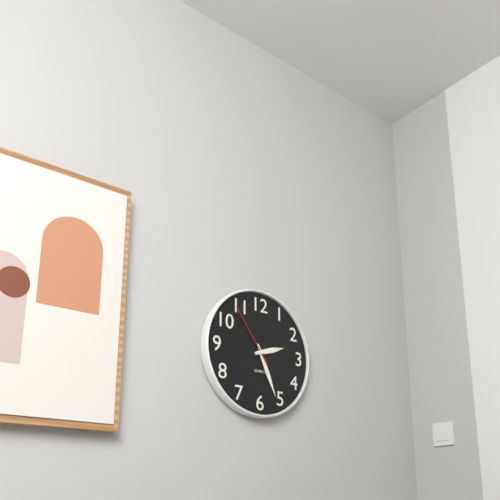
2:26:54
